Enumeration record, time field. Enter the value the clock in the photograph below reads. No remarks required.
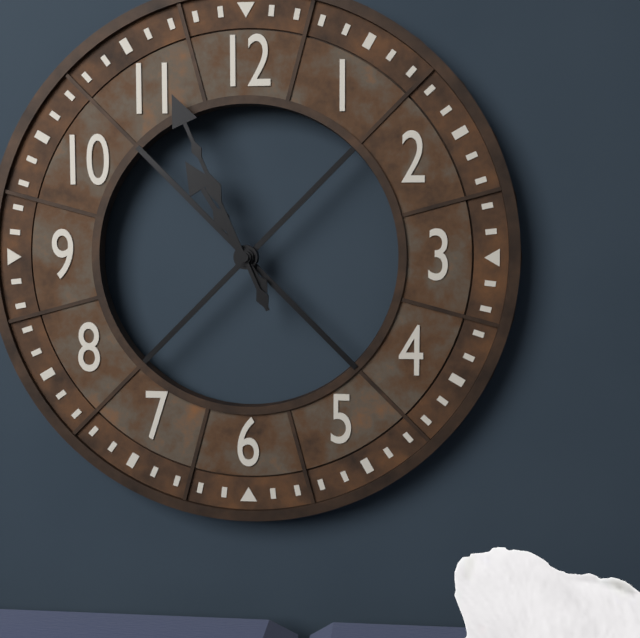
10:56
